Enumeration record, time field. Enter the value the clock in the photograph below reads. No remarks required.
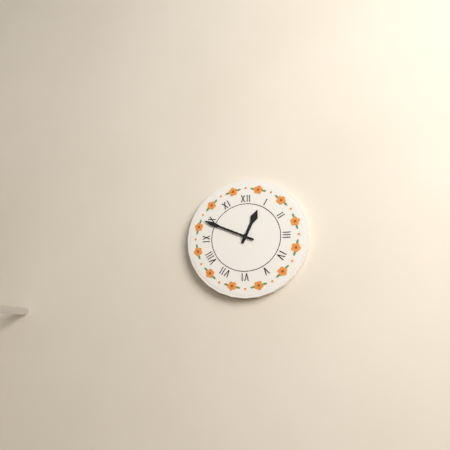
12:49
